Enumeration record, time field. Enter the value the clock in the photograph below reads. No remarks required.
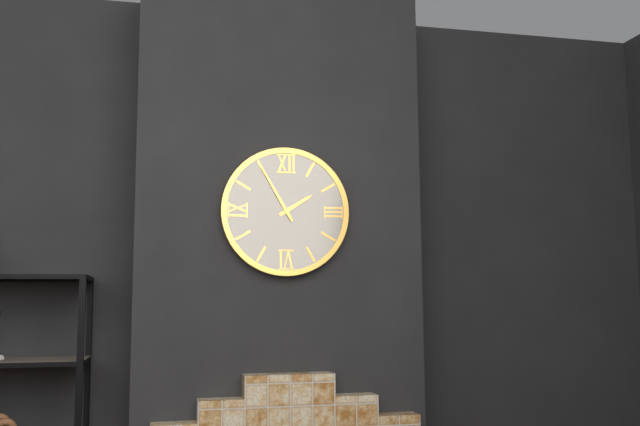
1:55
